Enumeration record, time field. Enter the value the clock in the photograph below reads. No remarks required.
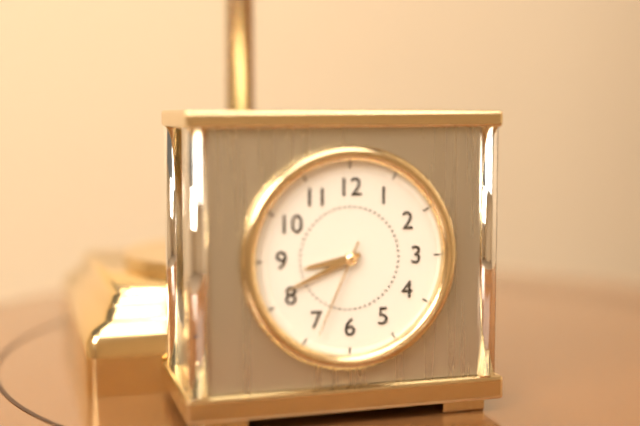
8:41:34
